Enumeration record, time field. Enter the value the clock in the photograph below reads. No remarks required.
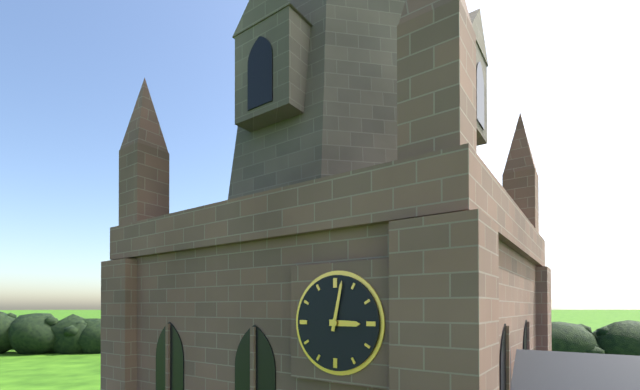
3:02
